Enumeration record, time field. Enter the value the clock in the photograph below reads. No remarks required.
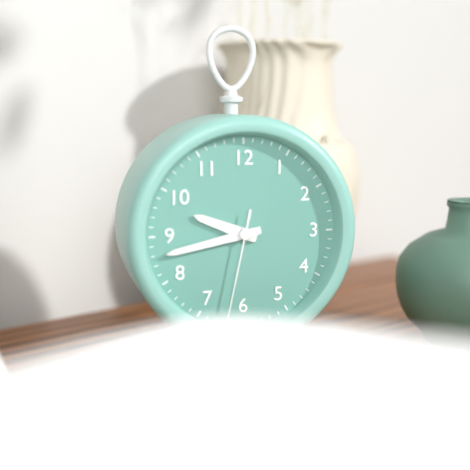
9:43:32
